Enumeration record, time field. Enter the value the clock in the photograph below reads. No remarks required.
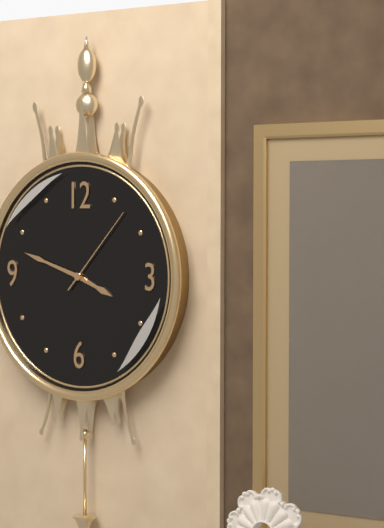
3:48:07
